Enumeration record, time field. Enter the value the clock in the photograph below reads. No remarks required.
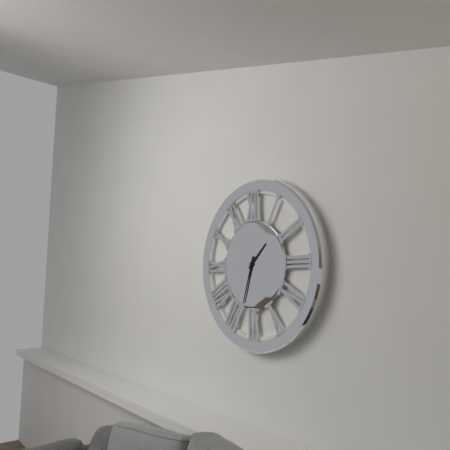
1:33
